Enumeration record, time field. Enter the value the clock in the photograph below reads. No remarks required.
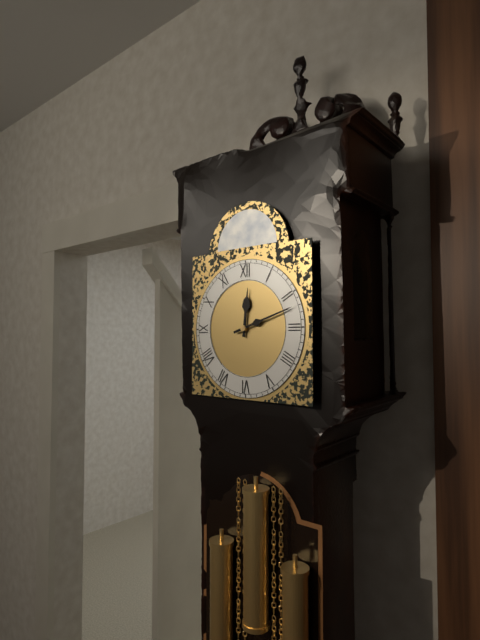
12:12
